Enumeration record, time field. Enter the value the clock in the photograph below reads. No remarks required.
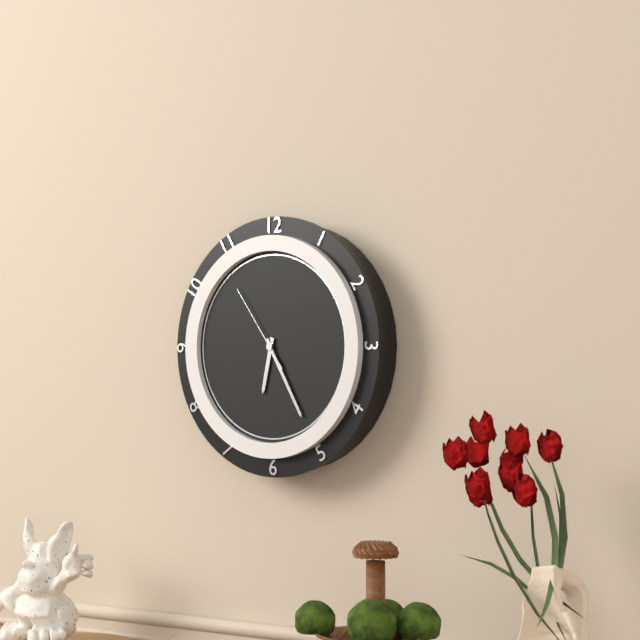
6:25:54
